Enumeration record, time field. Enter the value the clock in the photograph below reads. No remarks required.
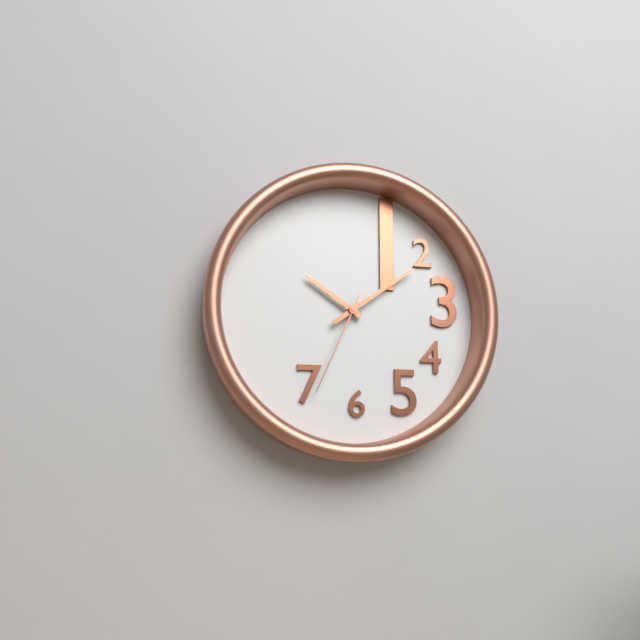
10:09:34
